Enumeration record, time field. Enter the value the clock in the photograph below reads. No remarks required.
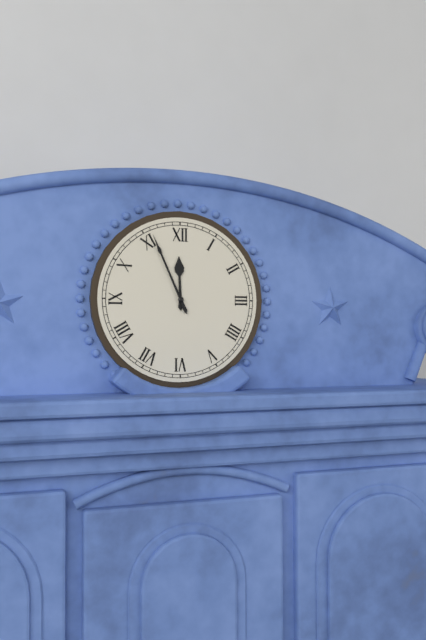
11:56
